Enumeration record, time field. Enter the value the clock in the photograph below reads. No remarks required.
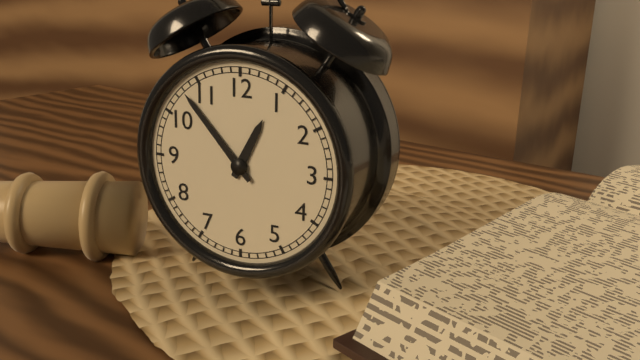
12:53
